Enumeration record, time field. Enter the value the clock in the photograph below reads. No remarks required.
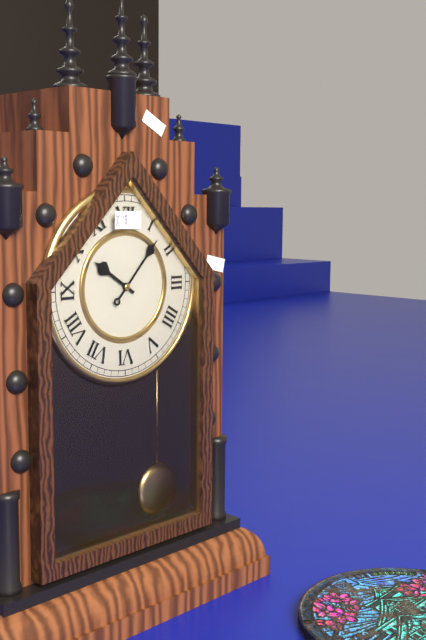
10:07
